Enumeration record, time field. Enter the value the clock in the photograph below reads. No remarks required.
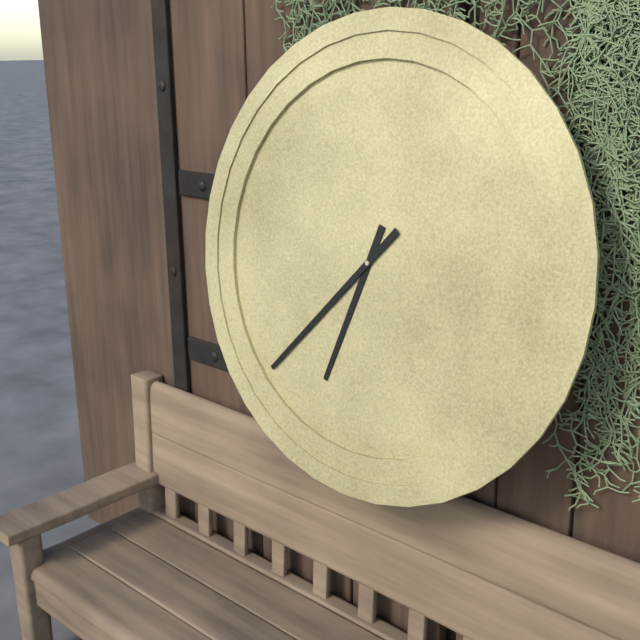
6:37
